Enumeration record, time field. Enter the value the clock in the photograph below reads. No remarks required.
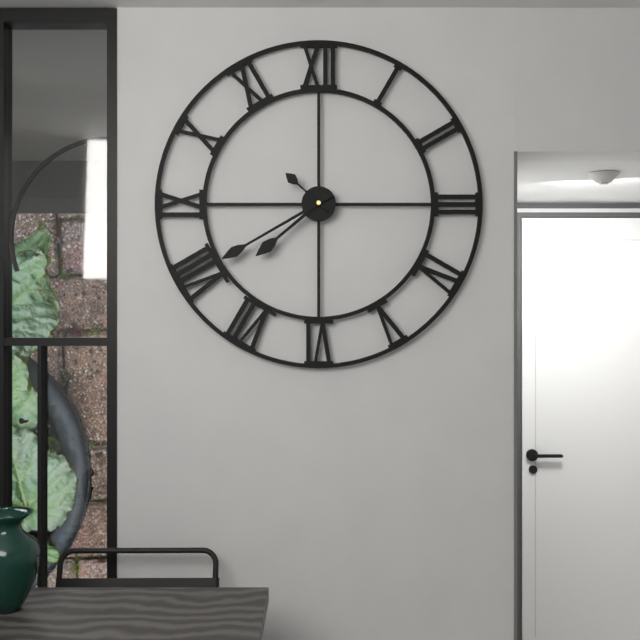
7:40:52
